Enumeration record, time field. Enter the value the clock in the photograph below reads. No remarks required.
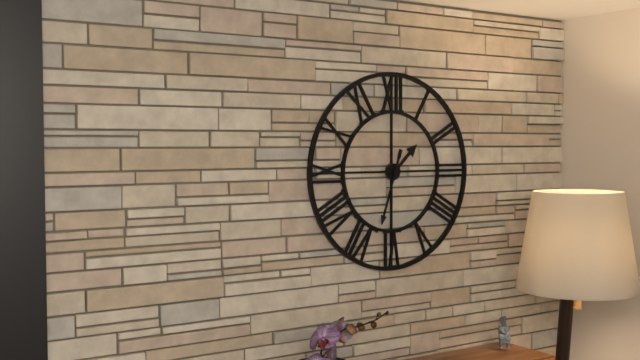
1:33
